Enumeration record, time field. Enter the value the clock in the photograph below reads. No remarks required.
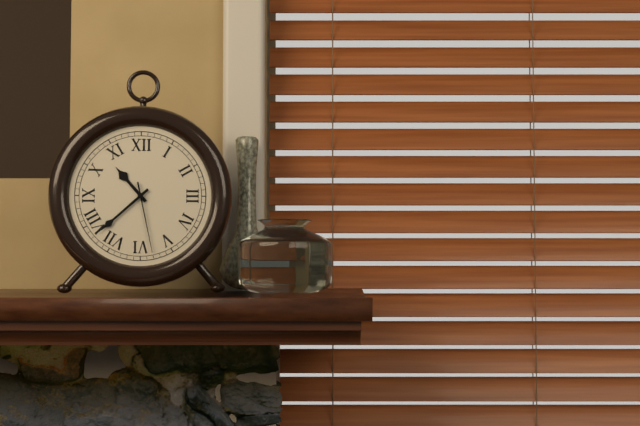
10:38:28
